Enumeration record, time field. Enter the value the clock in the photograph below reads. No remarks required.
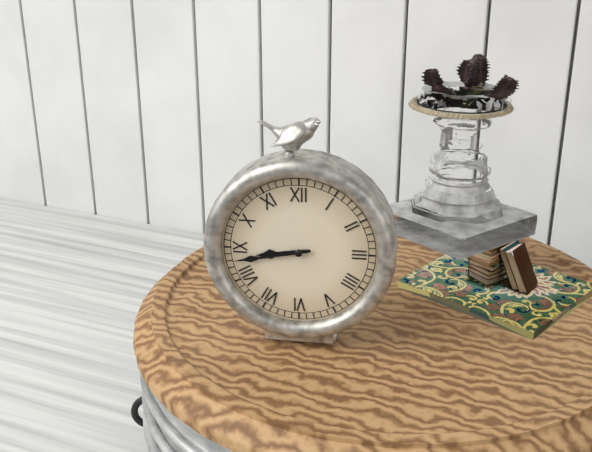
8:43
